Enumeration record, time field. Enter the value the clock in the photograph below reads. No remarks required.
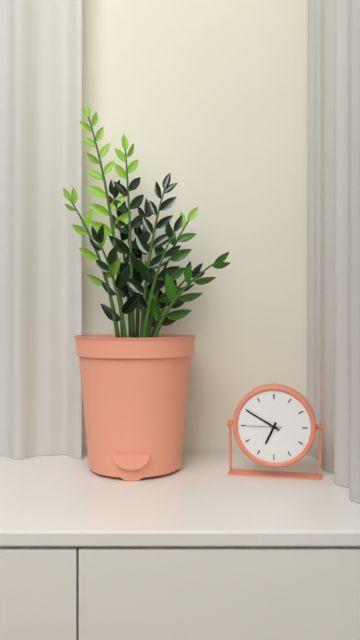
6:50
